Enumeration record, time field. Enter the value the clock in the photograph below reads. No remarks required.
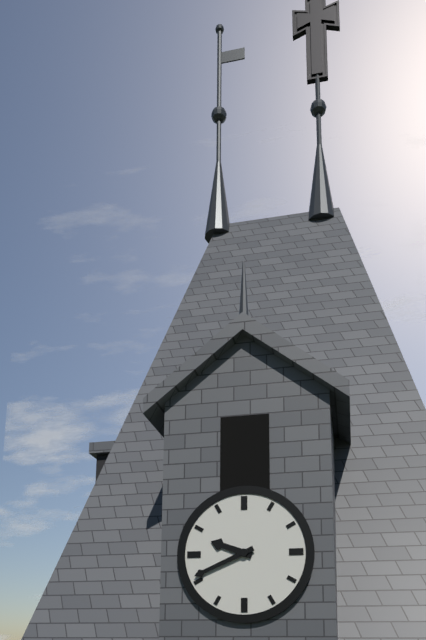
9:41
